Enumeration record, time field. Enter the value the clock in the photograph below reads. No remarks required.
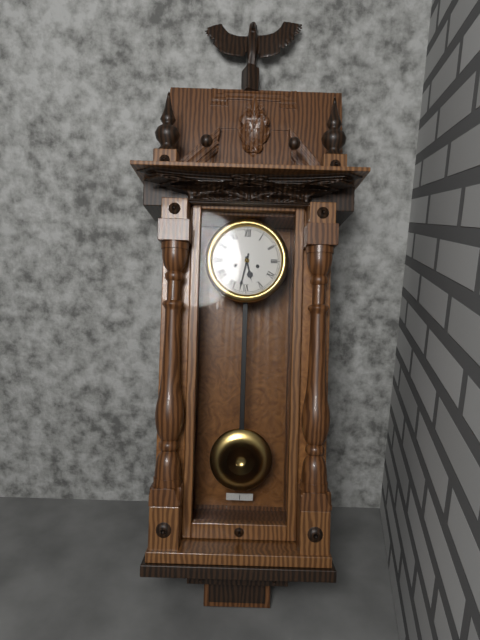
5:32
